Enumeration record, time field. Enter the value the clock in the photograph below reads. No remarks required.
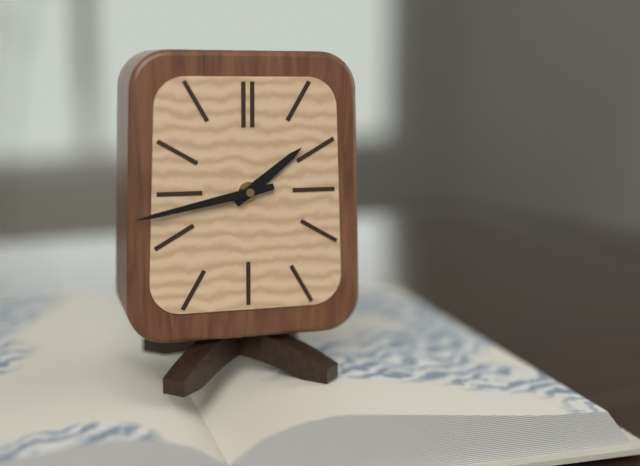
1:43
